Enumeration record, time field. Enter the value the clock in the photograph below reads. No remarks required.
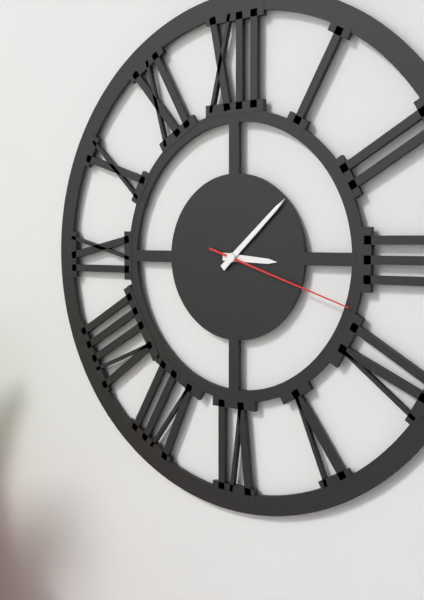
3:08:18
